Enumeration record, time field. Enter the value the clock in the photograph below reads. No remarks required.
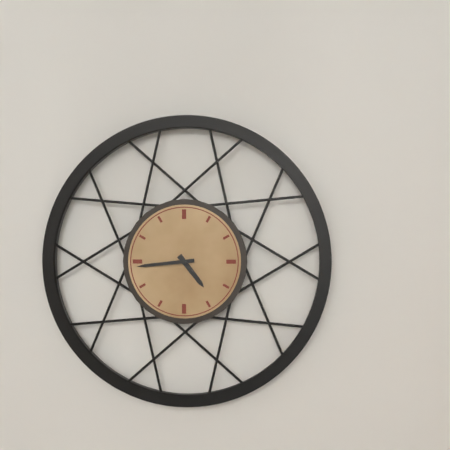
4:44
